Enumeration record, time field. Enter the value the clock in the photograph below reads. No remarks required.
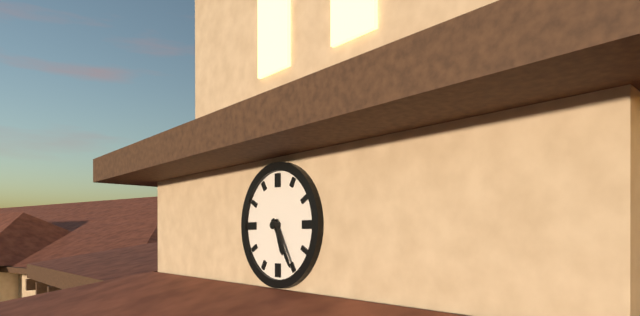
5:25
